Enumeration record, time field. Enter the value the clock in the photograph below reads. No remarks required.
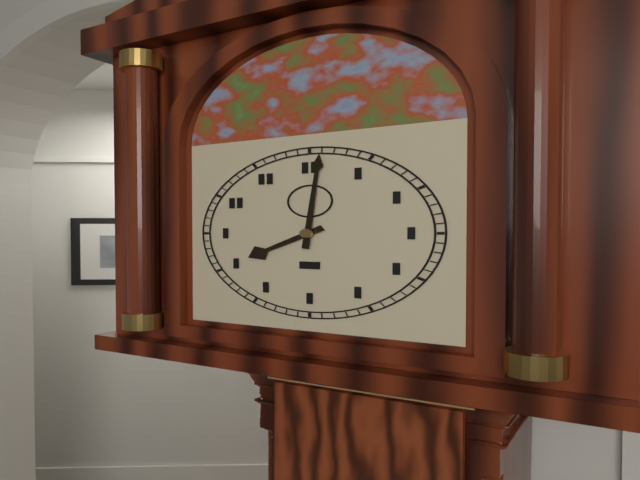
8:01
